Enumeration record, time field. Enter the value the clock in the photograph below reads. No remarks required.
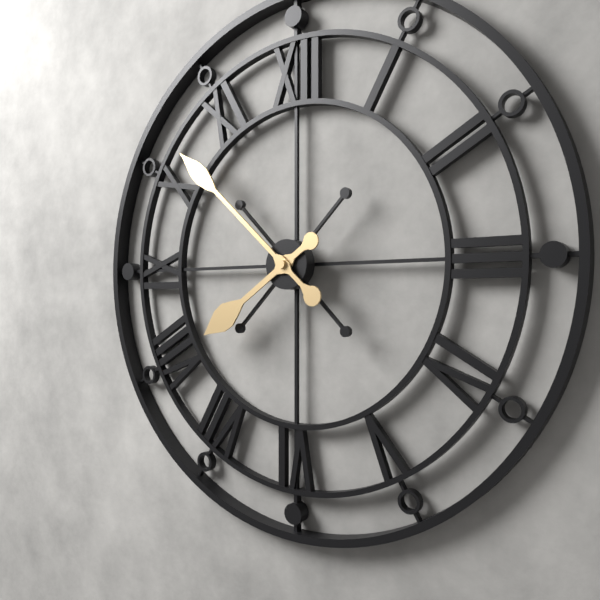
7:52
